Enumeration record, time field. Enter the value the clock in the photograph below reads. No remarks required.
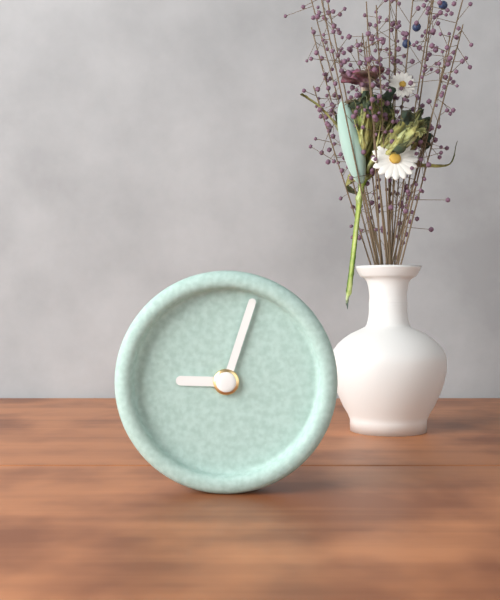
9:03
